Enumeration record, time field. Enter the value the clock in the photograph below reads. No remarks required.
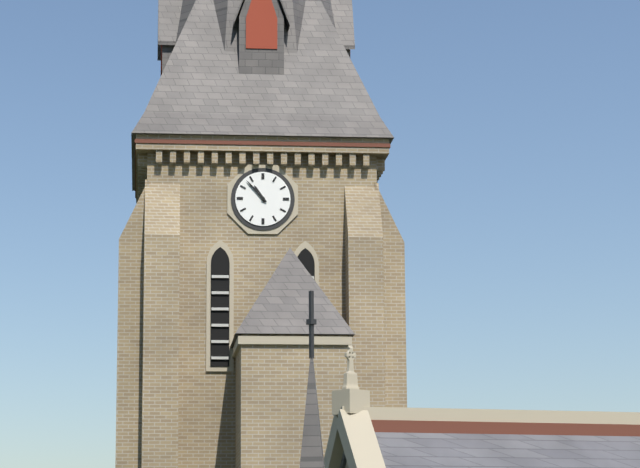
10:53
